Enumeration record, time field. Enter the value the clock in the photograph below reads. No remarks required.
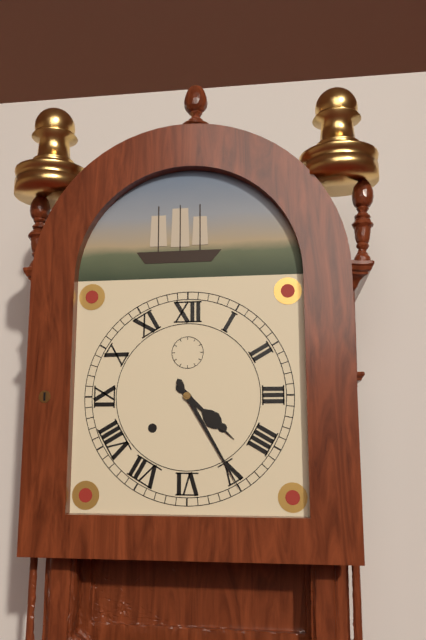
4:25
